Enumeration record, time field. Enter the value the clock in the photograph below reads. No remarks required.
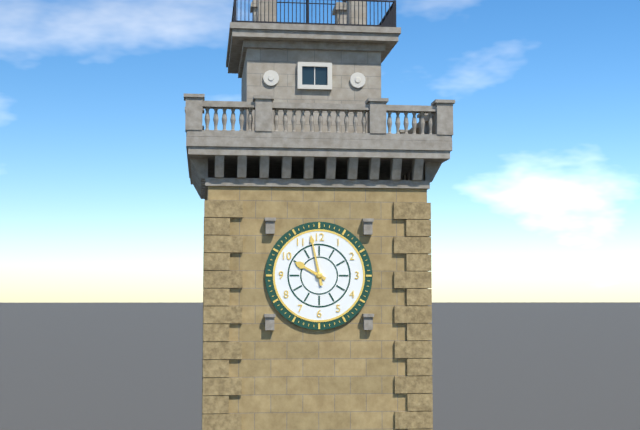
9:58
